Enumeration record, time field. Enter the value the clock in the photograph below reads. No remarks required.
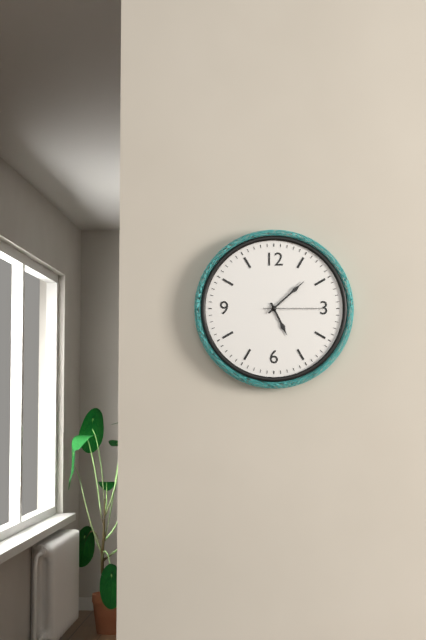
5:08:15
